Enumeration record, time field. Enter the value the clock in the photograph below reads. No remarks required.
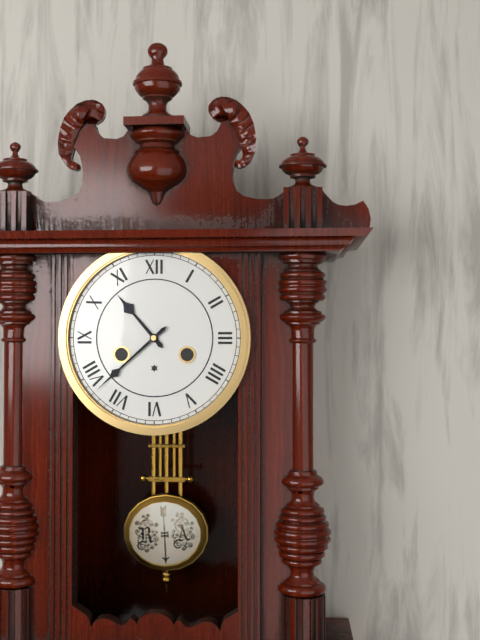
10:38
